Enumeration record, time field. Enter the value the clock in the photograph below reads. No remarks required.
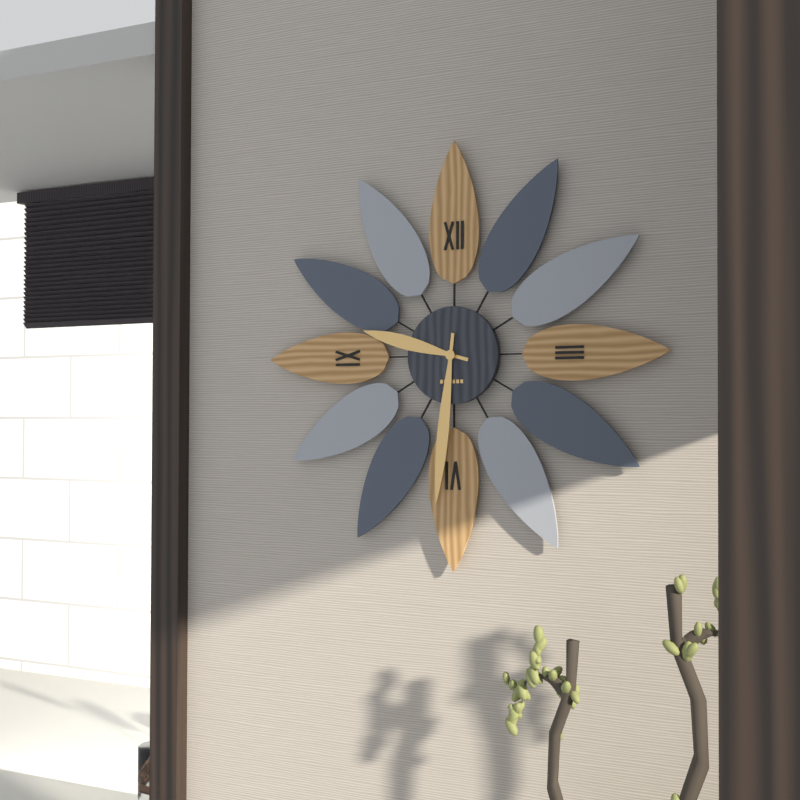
9:31
